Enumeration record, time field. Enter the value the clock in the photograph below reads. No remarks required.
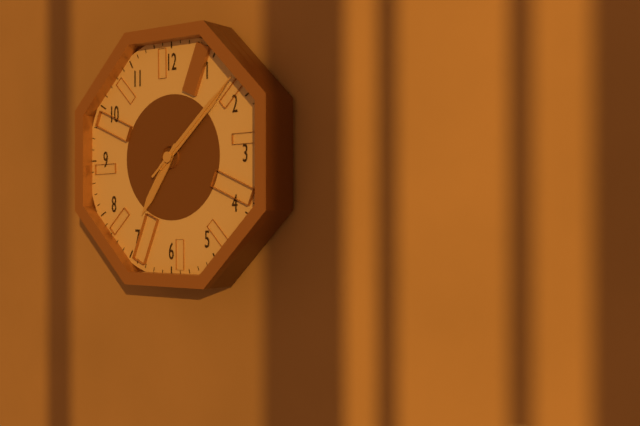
7:08:08
